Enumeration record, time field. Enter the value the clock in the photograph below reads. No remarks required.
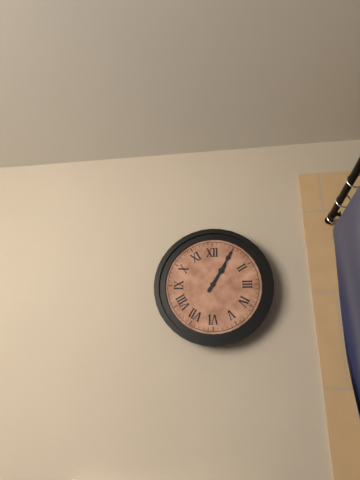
1:05
